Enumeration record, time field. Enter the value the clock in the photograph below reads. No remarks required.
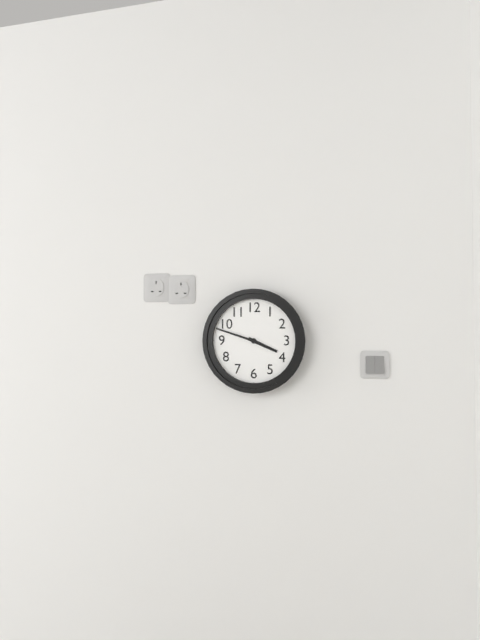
3:48
